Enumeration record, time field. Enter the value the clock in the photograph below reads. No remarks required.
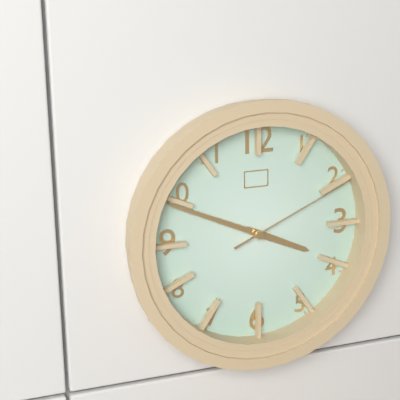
3:49:11
